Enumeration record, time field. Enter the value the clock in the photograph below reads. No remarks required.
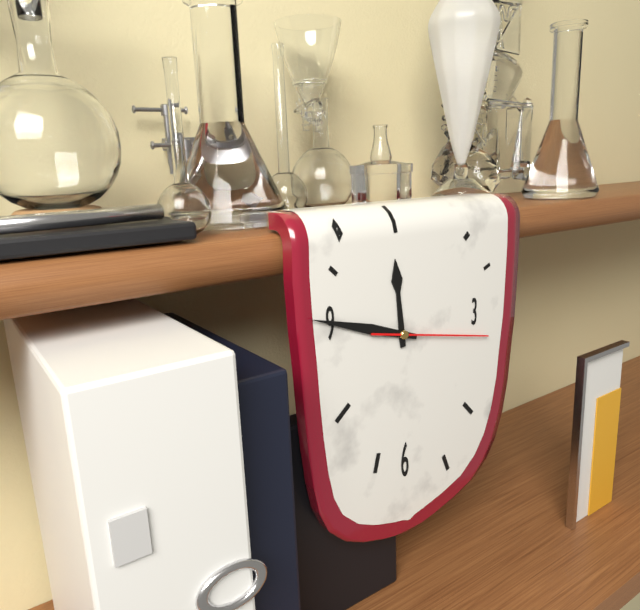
11:48:17
